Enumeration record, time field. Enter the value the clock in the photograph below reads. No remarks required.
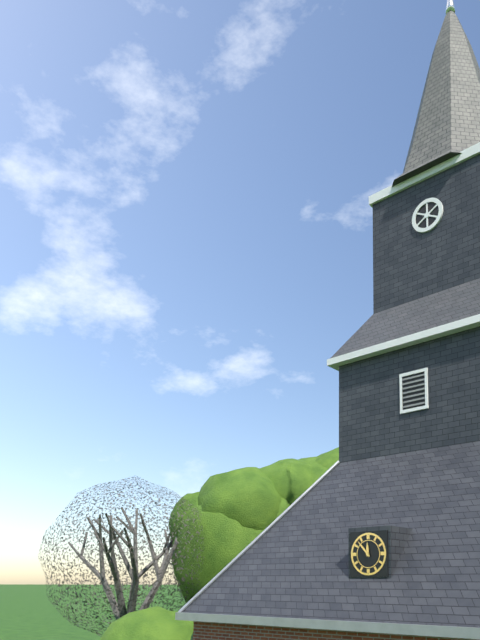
11:53
